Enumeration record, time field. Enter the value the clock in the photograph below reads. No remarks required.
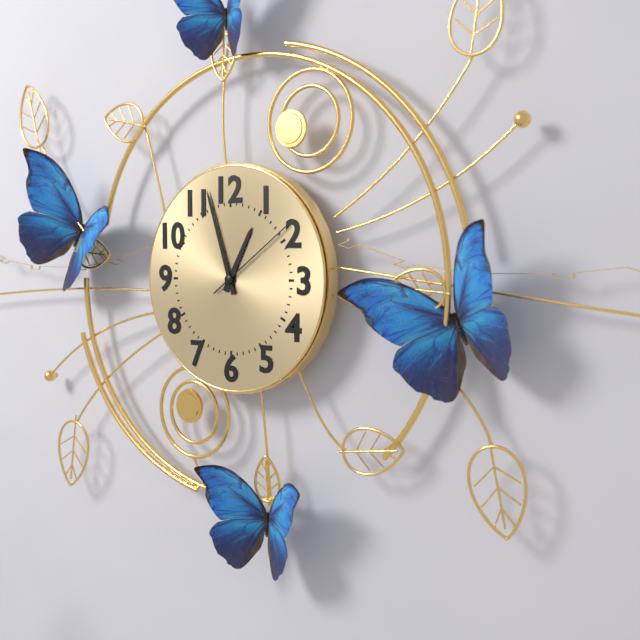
12:57:09
